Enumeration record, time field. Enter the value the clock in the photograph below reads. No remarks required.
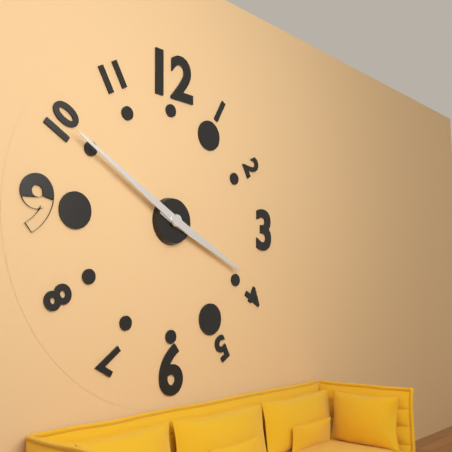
3:50
